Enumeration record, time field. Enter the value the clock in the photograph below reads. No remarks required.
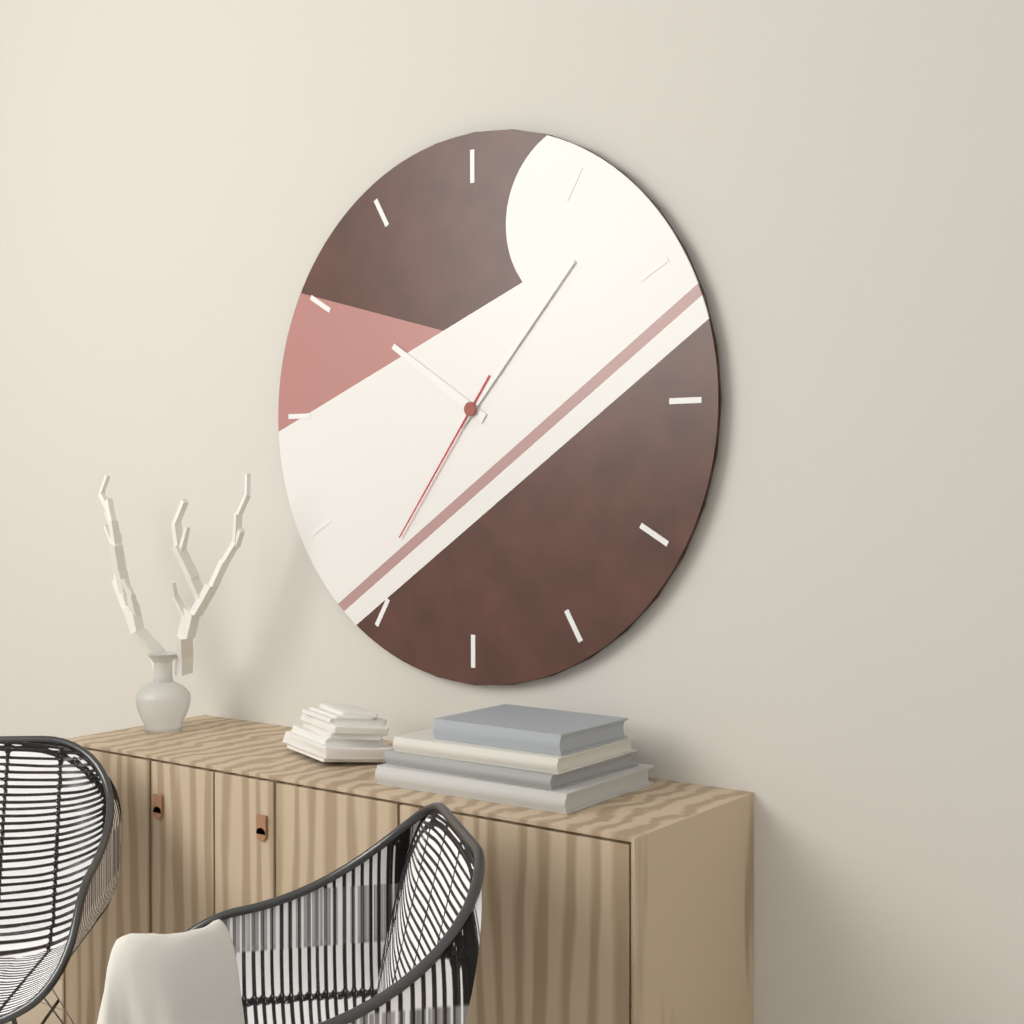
10:07:36
